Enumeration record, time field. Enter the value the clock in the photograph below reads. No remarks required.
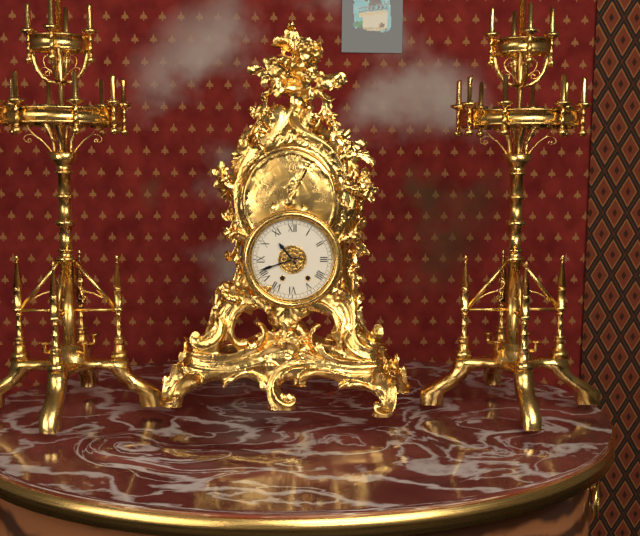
10:42
